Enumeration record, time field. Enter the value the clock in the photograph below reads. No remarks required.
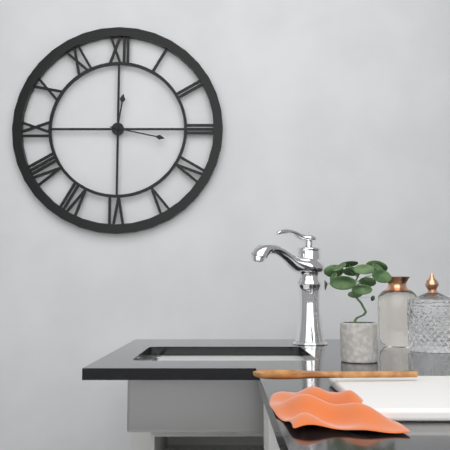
12:17
